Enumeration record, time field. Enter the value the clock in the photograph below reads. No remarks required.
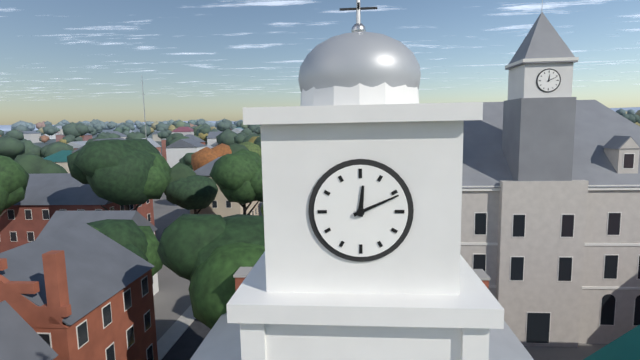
12:11
